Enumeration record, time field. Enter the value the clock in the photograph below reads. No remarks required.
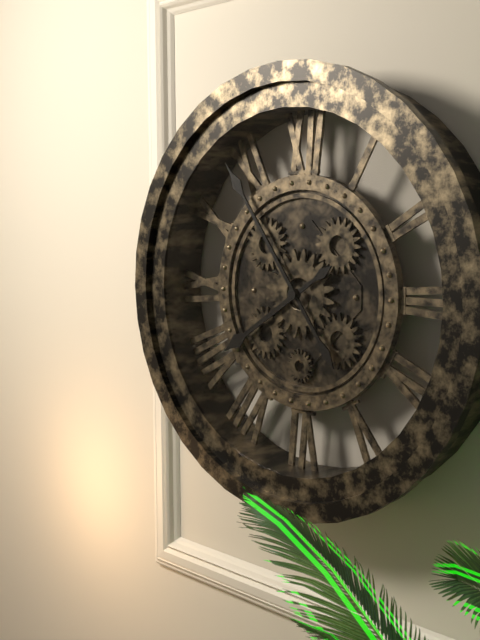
7:54
